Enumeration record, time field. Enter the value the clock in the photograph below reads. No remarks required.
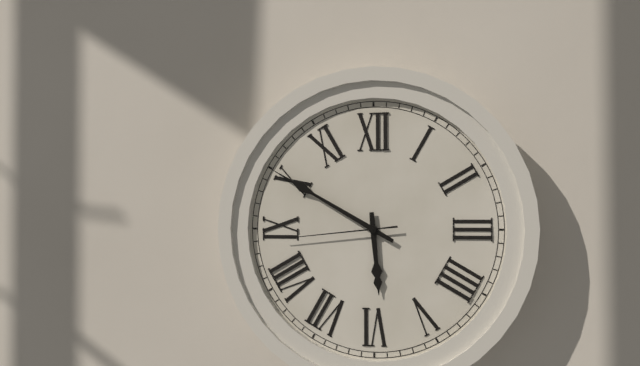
5:50:44
